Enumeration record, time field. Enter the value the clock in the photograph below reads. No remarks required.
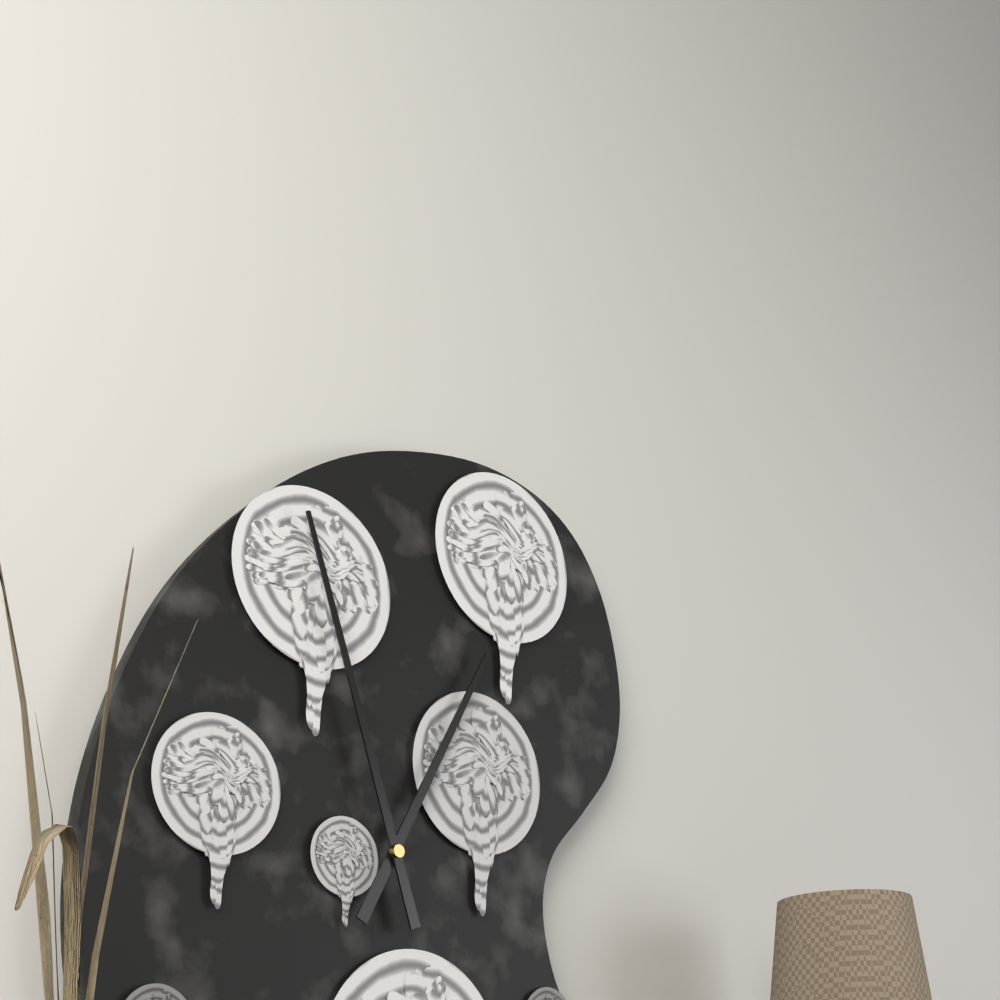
12:57
